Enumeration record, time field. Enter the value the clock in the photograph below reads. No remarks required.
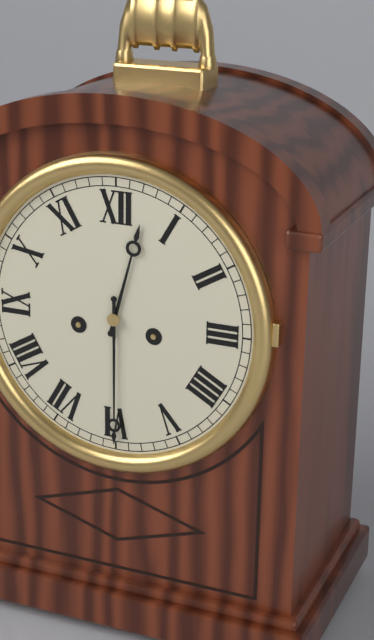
12:30
